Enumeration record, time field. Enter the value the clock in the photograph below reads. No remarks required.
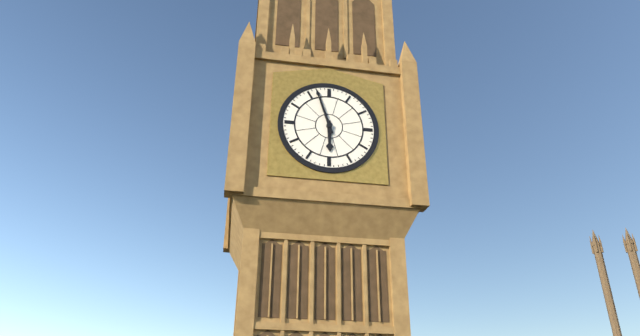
5:57
